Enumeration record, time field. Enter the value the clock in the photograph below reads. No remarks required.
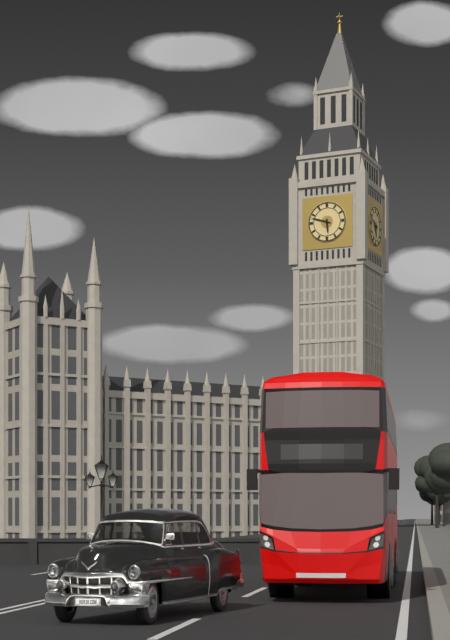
5:48
